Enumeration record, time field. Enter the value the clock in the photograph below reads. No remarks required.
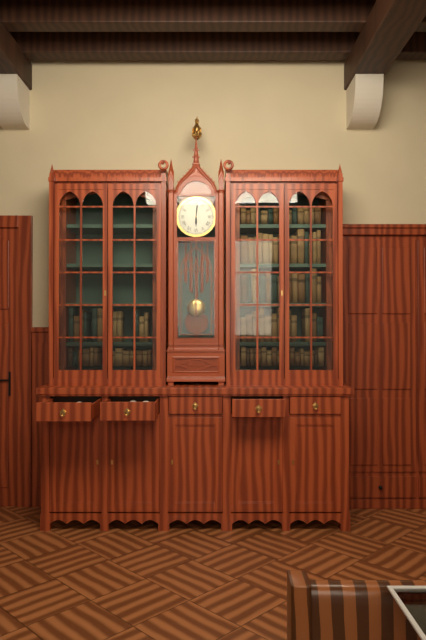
6:01
